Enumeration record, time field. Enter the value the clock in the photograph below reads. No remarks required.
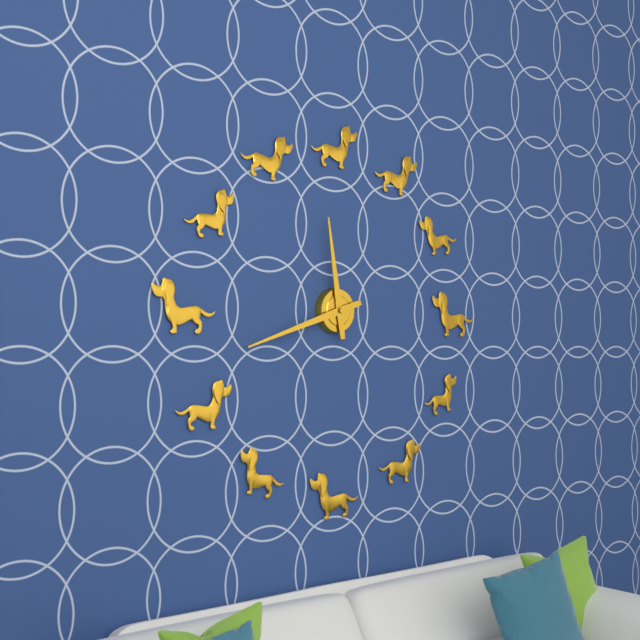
11:42
